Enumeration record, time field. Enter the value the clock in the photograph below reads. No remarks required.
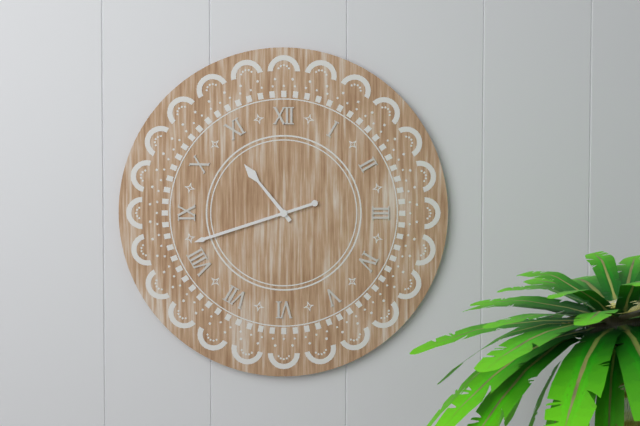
10:42
